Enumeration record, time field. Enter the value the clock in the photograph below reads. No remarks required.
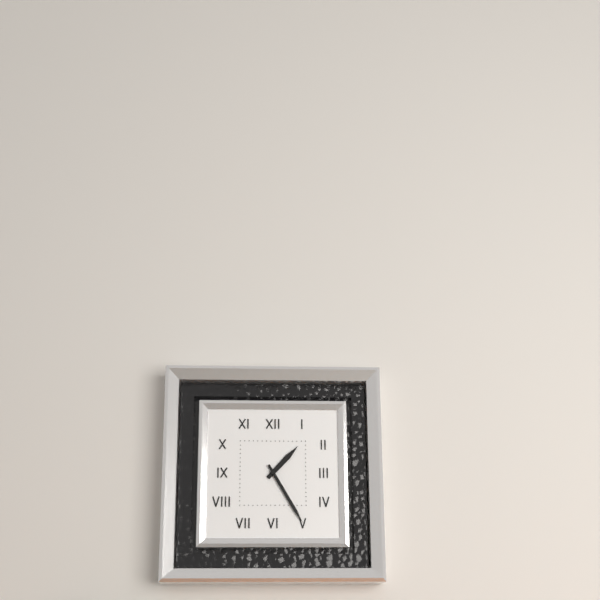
1:25
